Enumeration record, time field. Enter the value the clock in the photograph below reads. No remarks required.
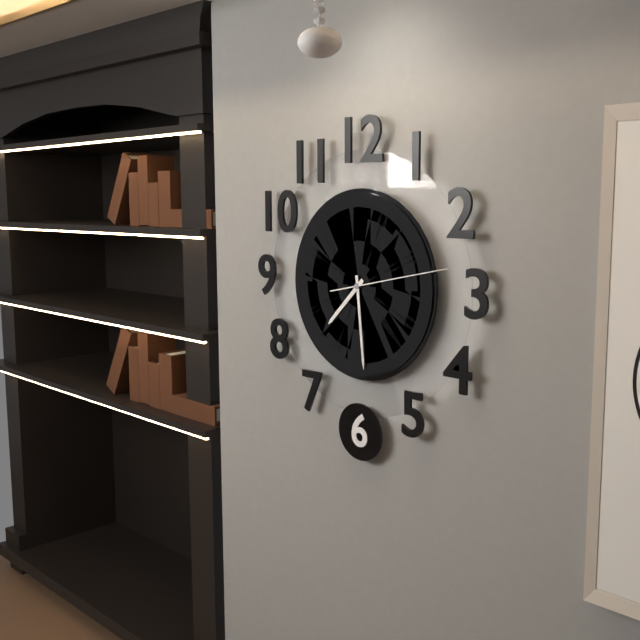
7:29:13
